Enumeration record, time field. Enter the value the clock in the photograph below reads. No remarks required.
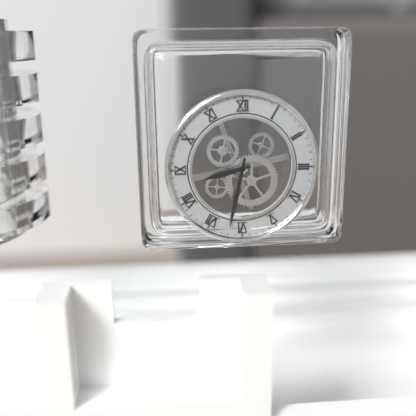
8:32
